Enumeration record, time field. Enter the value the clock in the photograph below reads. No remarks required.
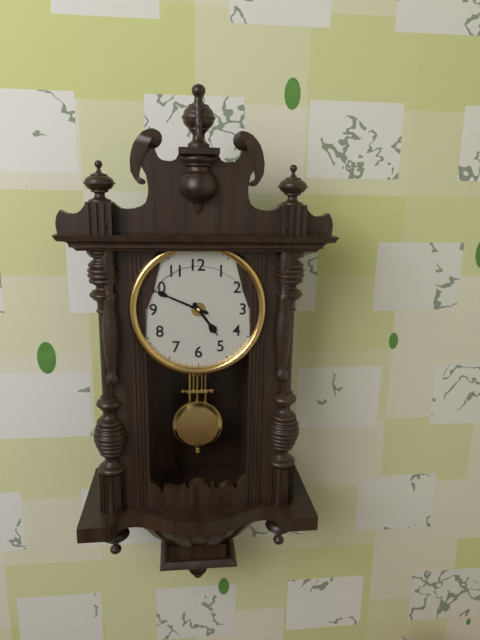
4:49
